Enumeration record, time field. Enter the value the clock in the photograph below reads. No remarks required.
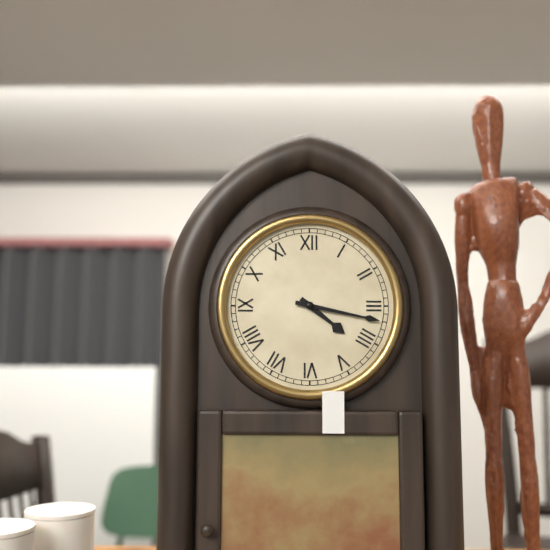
4:17
